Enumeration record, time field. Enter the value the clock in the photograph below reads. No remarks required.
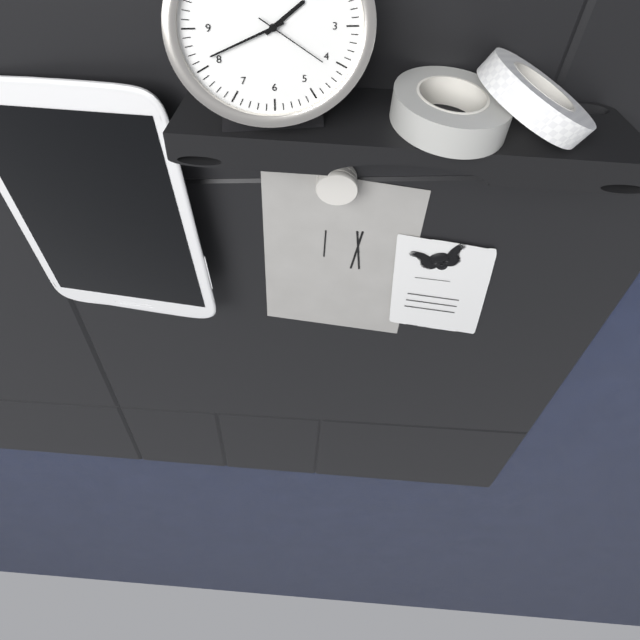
1:41:21
